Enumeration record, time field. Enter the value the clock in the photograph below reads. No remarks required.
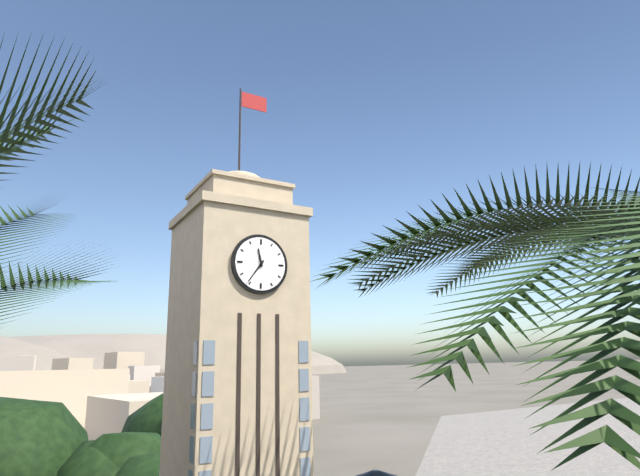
11:36
